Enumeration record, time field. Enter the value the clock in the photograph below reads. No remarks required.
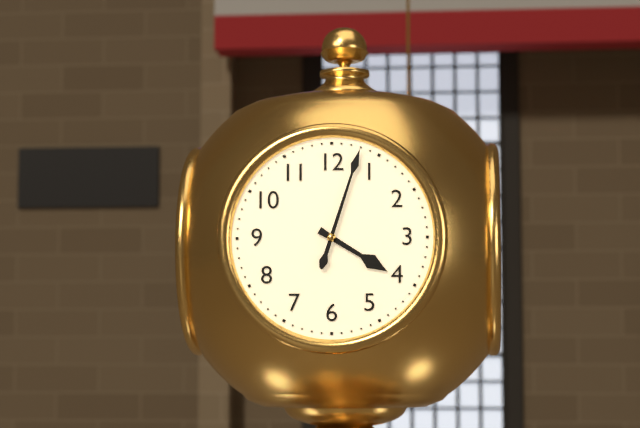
4:03
